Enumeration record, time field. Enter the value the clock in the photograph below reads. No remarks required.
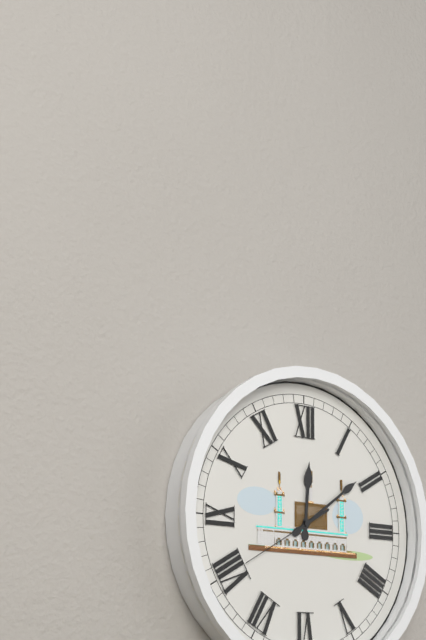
12:09:40
